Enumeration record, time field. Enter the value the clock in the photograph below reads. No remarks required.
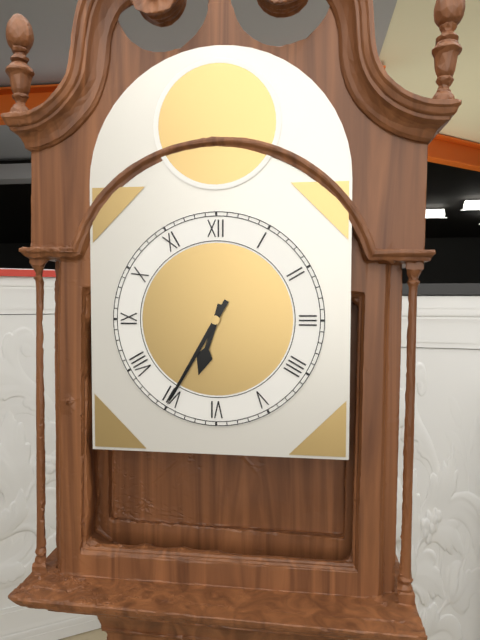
6:35
